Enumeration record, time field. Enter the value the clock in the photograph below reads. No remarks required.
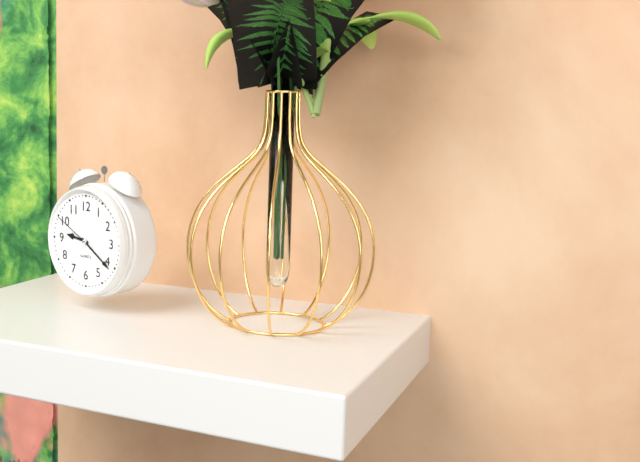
9:21
